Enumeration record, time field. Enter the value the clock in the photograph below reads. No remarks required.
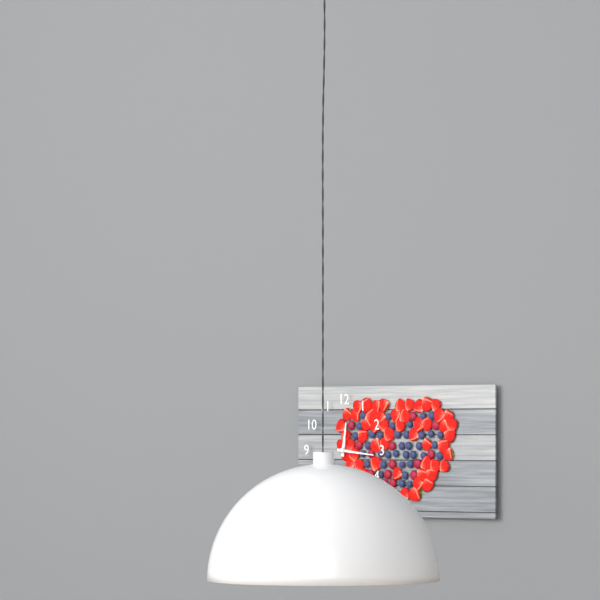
12:16
